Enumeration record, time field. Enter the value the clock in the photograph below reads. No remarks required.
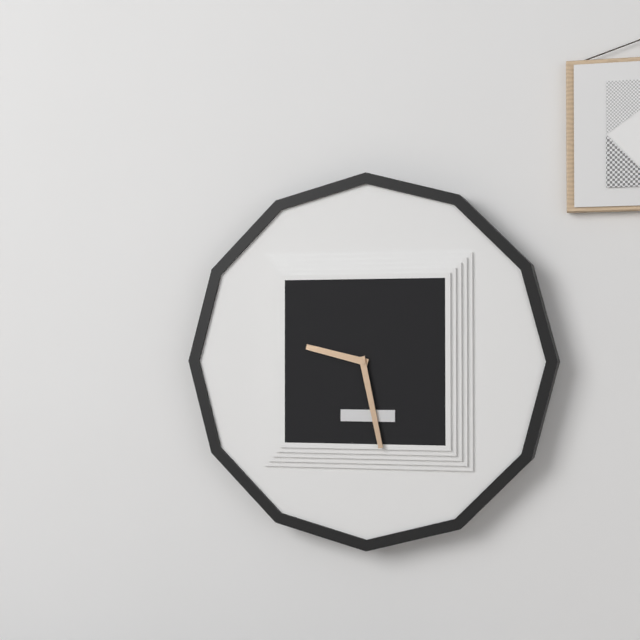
9:28
